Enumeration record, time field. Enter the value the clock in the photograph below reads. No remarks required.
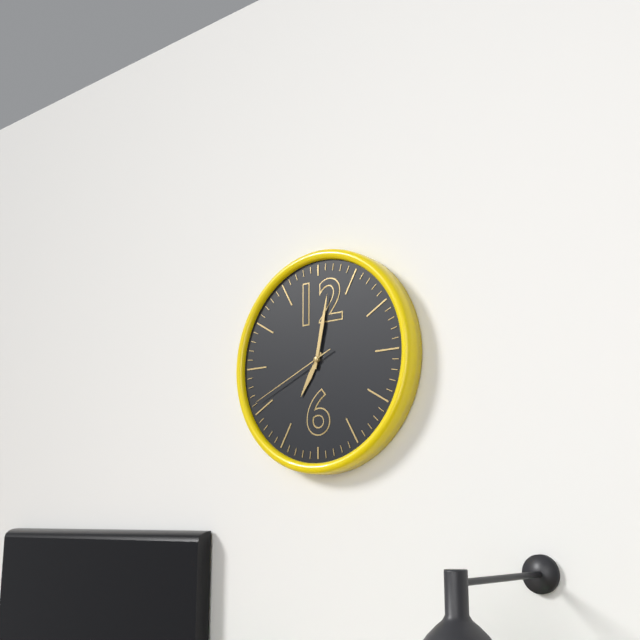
7:02:41
